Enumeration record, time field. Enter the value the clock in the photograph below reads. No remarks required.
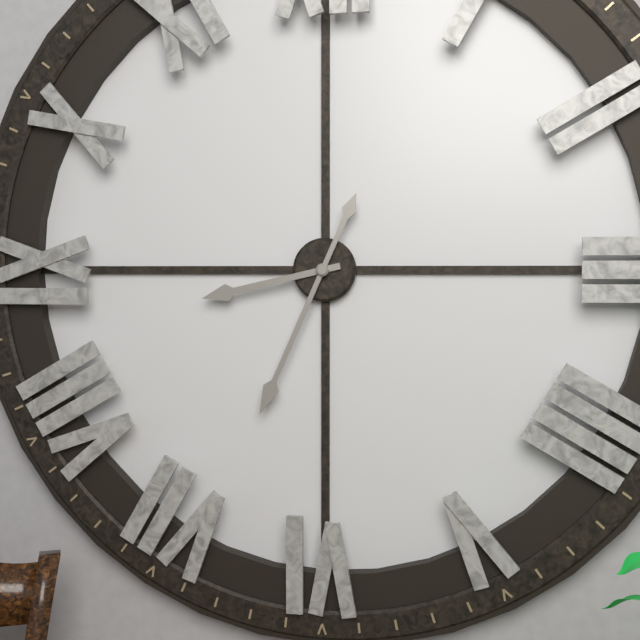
8:34
